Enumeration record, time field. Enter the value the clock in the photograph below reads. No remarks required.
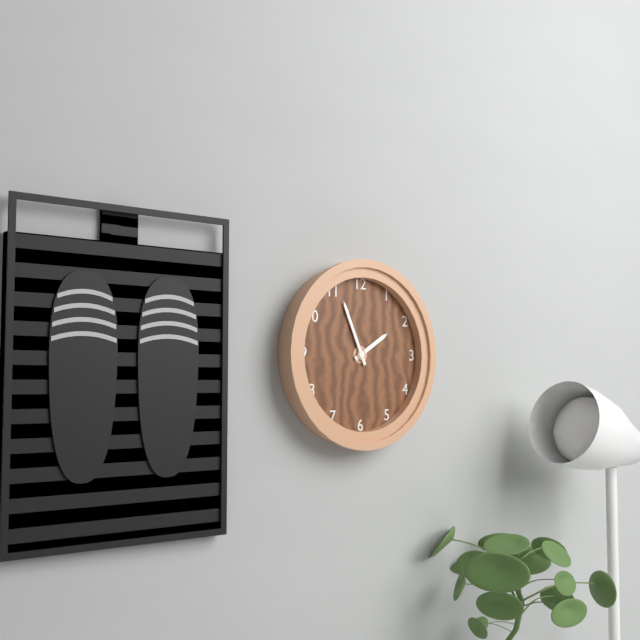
1:56
